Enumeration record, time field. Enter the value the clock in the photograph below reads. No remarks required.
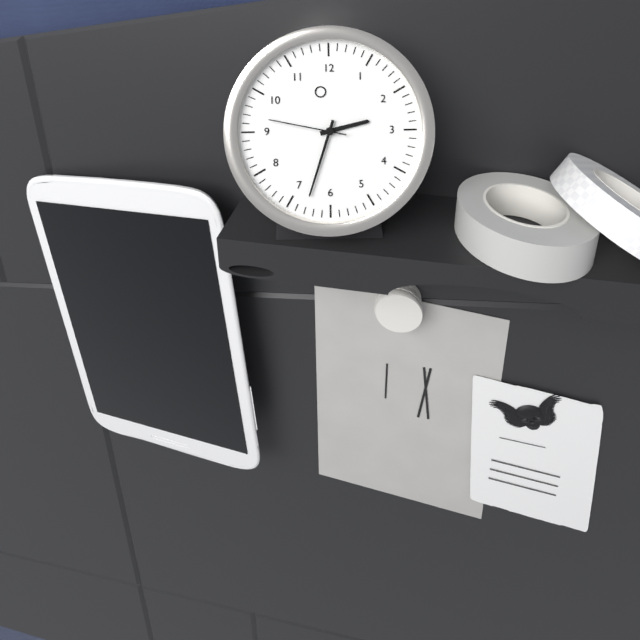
2:33:47
